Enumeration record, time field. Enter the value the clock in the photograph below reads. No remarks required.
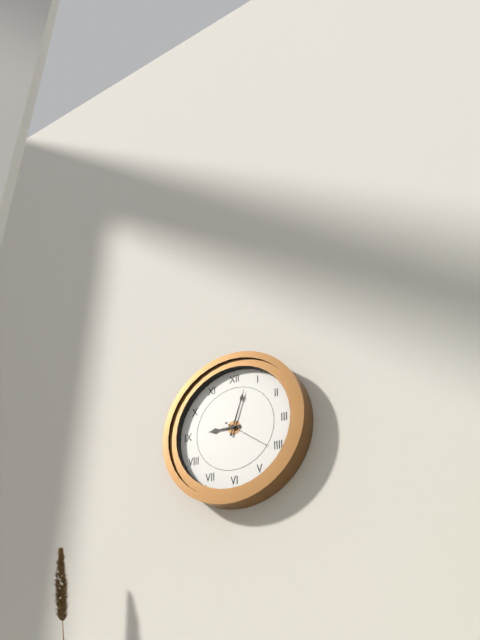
9:03
